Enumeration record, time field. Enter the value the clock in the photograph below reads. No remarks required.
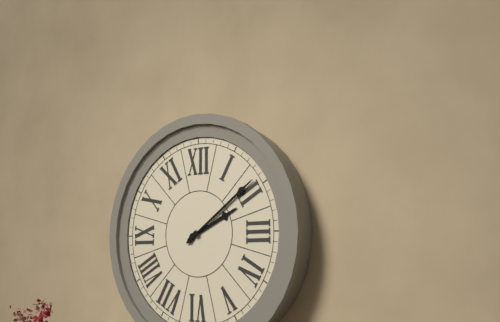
2:09
